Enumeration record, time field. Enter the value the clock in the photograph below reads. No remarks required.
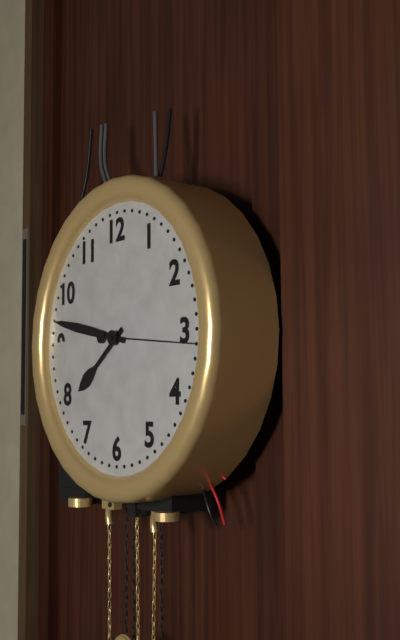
7:47:16
